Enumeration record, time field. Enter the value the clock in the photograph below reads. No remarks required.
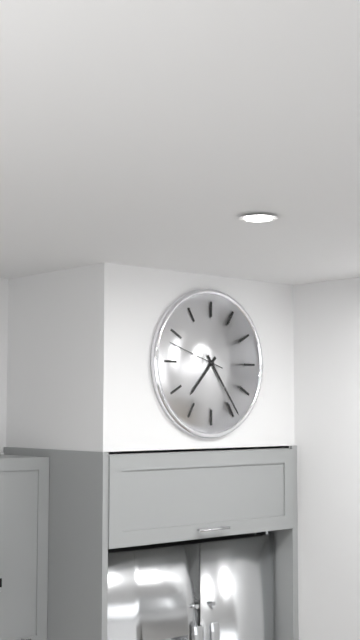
7:24:48
